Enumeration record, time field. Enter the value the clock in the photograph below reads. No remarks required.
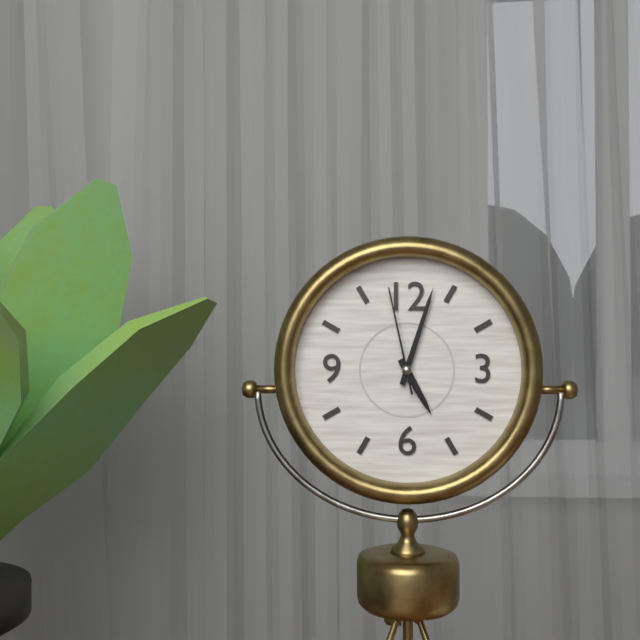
5:03:58
